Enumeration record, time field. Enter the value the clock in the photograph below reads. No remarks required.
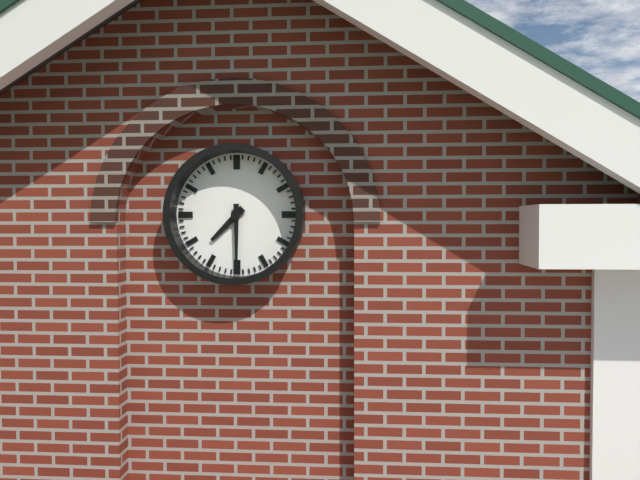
7:30
